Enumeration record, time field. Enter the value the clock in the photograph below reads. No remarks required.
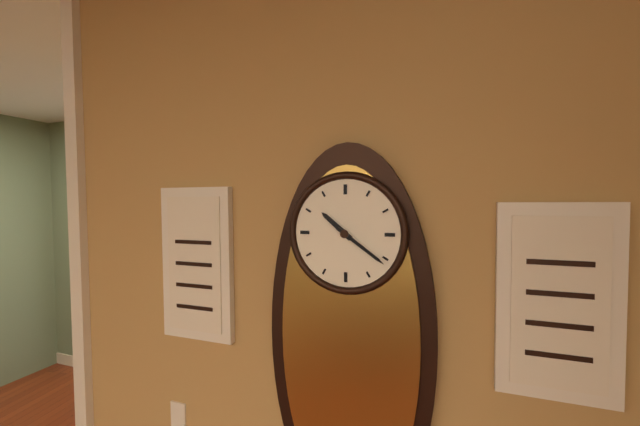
10:21
